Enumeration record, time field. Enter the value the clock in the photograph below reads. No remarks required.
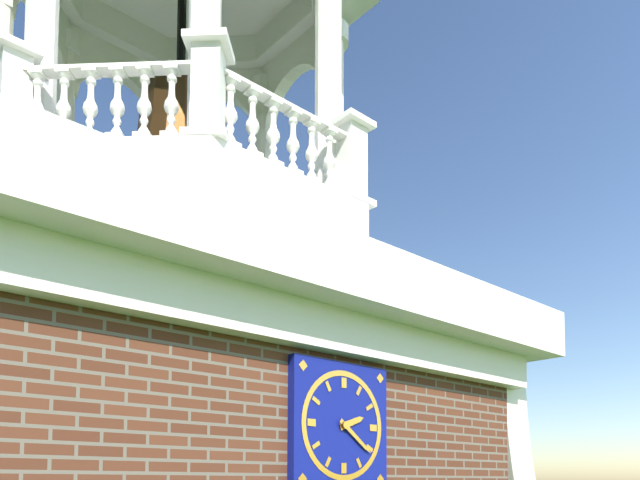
2:21
